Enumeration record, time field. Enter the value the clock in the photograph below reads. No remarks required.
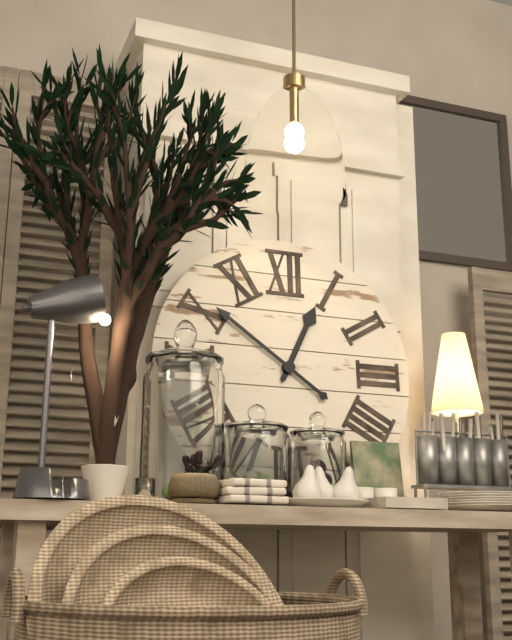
12:51
